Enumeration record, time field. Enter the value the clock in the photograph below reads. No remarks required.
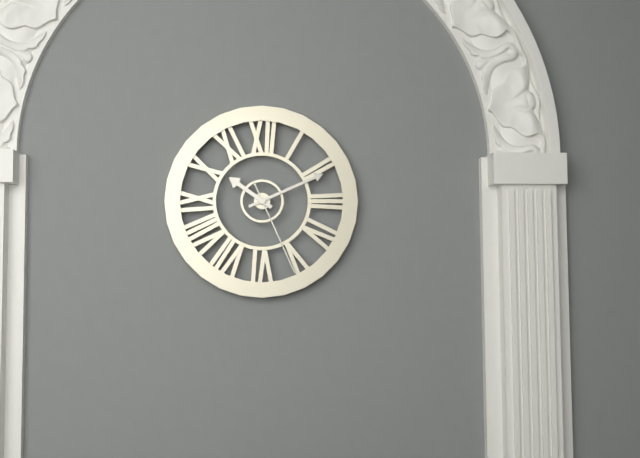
10:11:26
